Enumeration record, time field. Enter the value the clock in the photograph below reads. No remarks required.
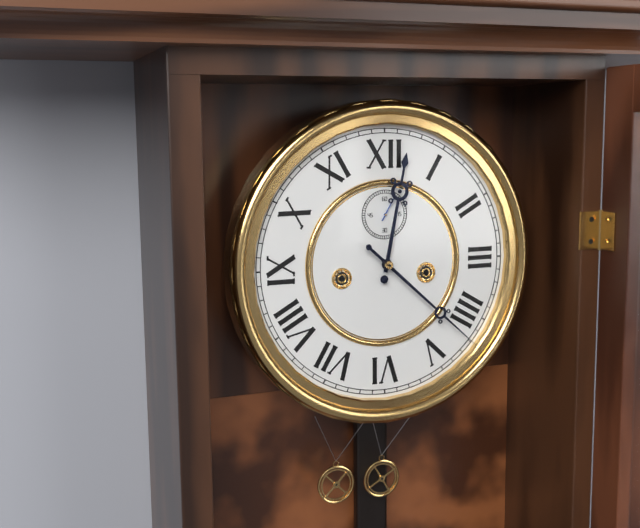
12:22
